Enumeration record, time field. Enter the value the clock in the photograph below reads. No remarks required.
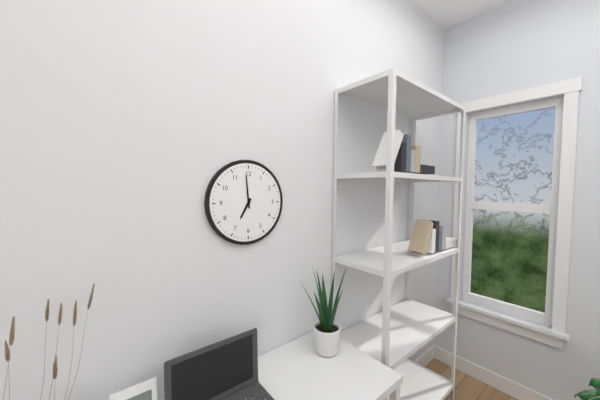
6:59
